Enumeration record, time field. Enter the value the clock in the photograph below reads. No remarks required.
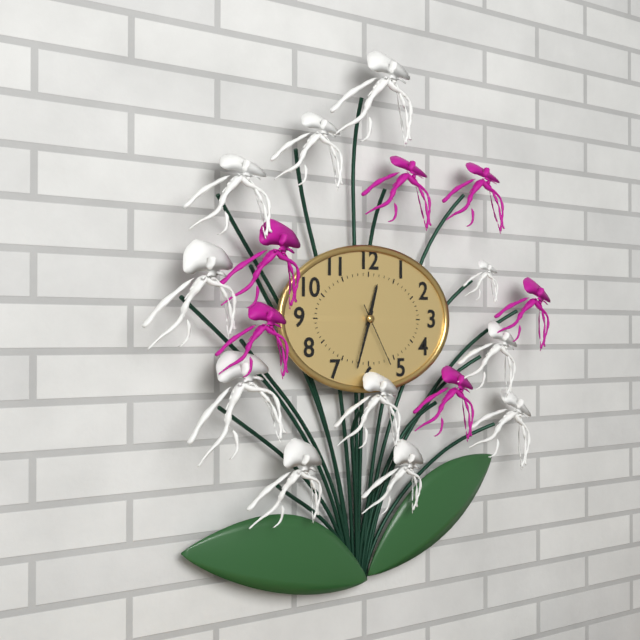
12:33:25
